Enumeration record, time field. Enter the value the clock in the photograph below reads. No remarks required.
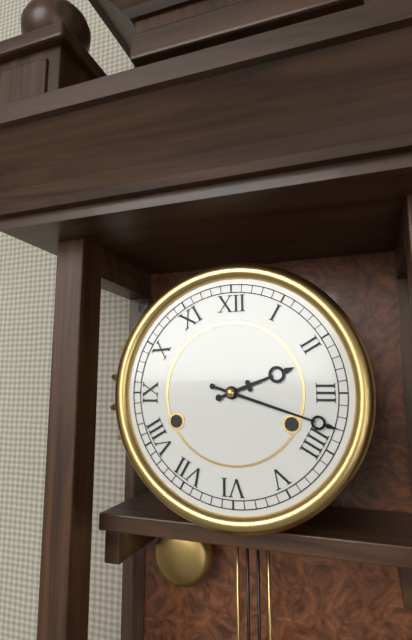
2:18
